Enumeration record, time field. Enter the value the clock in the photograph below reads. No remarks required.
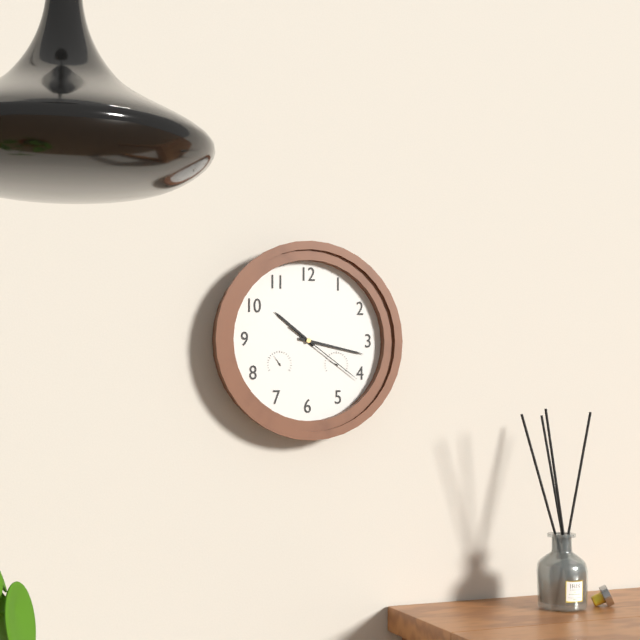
10:17:21
